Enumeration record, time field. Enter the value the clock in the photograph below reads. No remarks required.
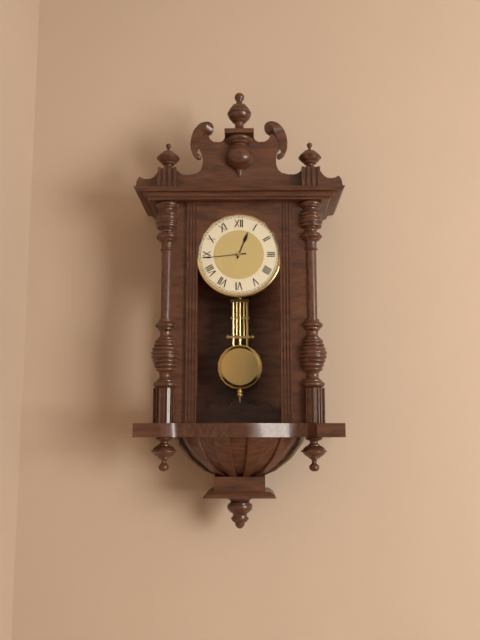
12:44
